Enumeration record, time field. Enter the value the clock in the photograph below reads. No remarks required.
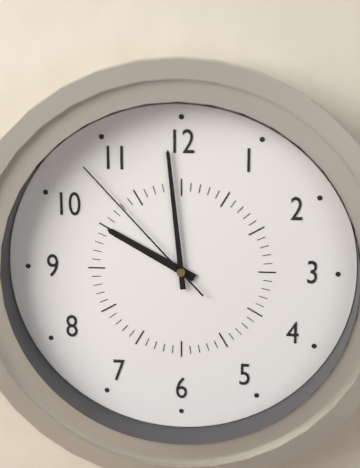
9:59:53
